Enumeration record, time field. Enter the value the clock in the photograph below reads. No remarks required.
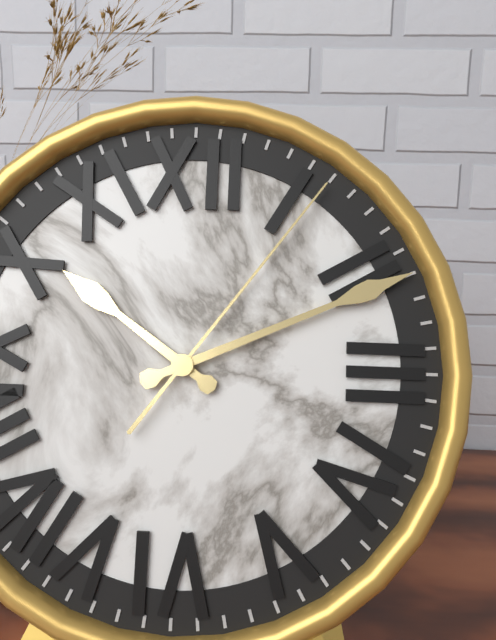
10:11:06
